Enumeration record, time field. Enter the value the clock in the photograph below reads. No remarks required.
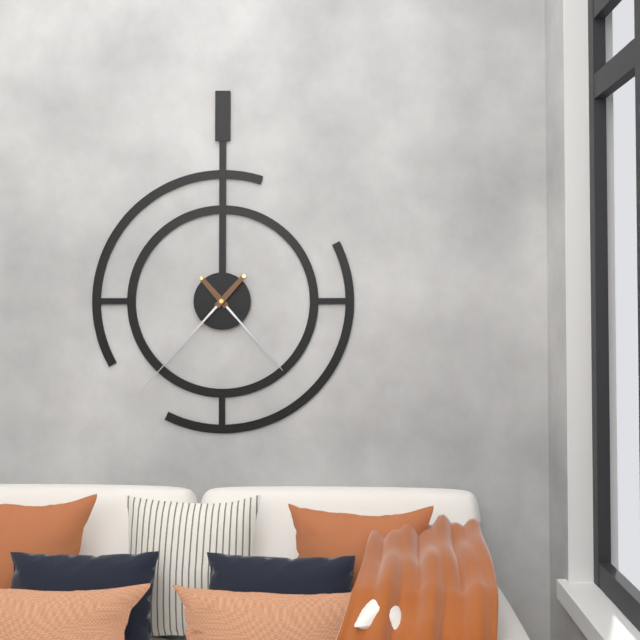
4:37
